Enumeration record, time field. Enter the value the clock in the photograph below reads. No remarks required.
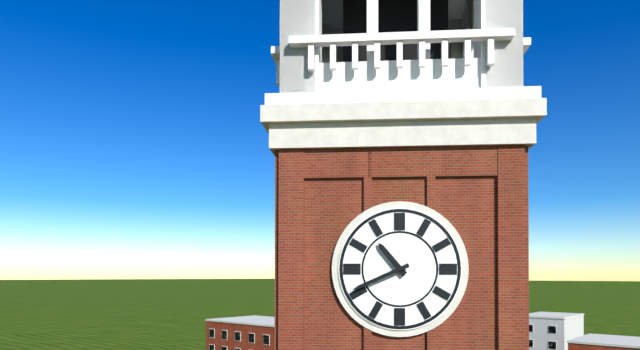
10:41
